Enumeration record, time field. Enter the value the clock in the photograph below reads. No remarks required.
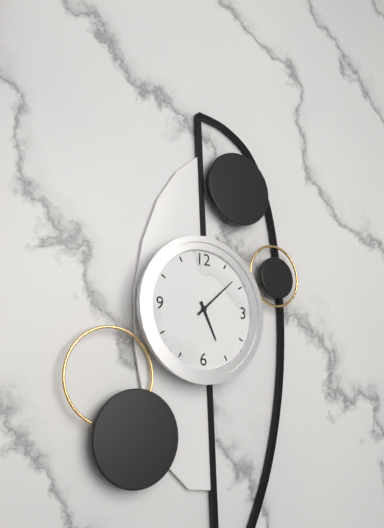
5:08
